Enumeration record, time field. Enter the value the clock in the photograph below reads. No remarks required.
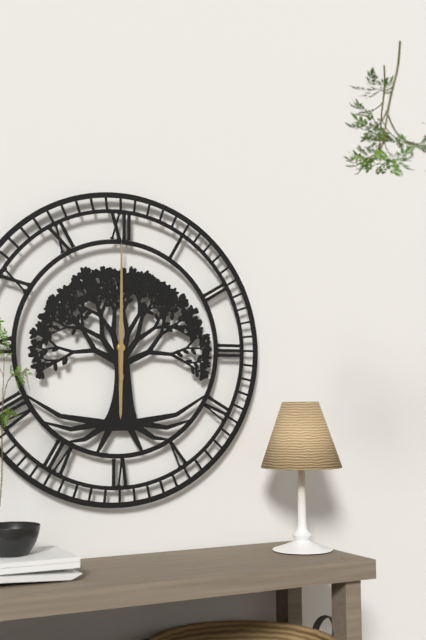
6:00
